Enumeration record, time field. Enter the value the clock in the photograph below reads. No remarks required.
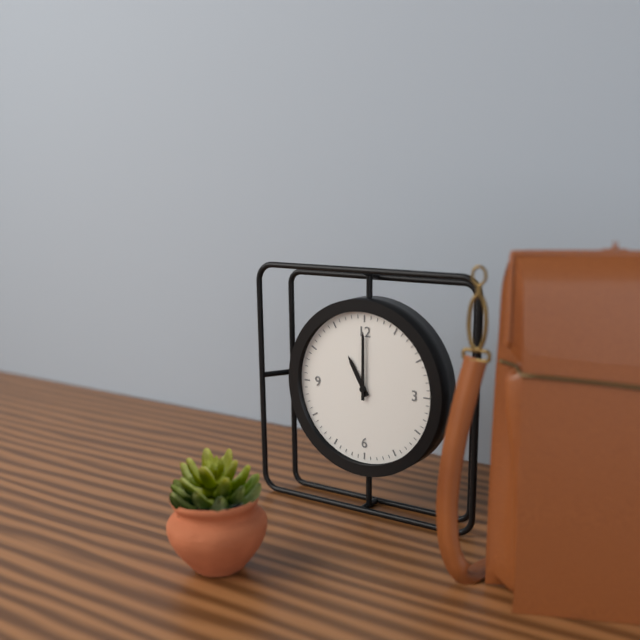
11:00
